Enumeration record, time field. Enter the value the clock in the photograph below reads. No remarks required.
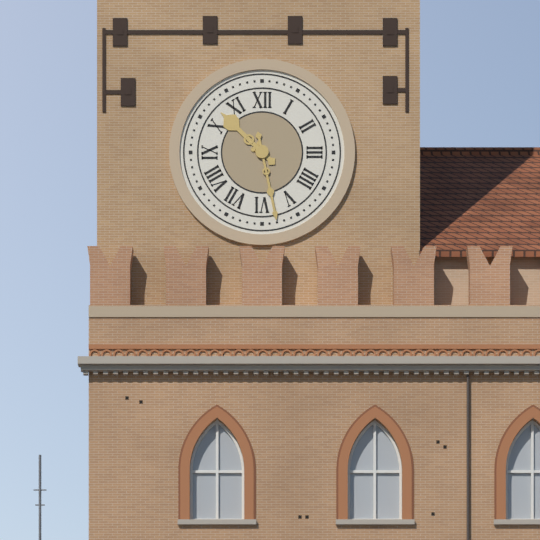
10:28
